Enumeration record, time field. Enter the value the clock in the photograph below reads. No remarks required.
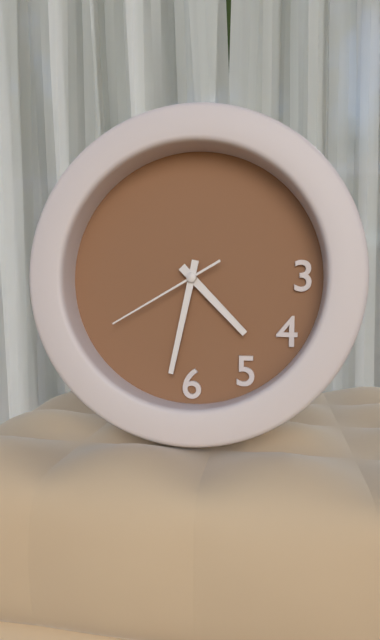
4:32:40
